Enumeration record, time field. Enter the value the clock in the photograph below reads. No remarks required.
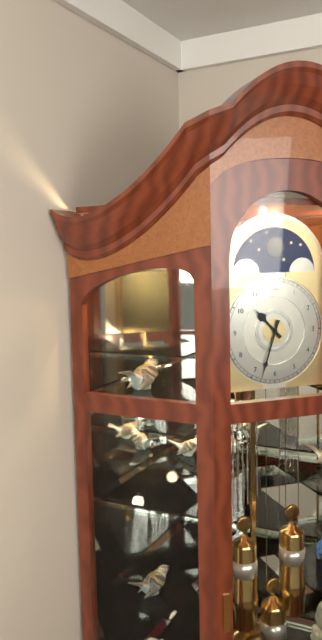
10:33
